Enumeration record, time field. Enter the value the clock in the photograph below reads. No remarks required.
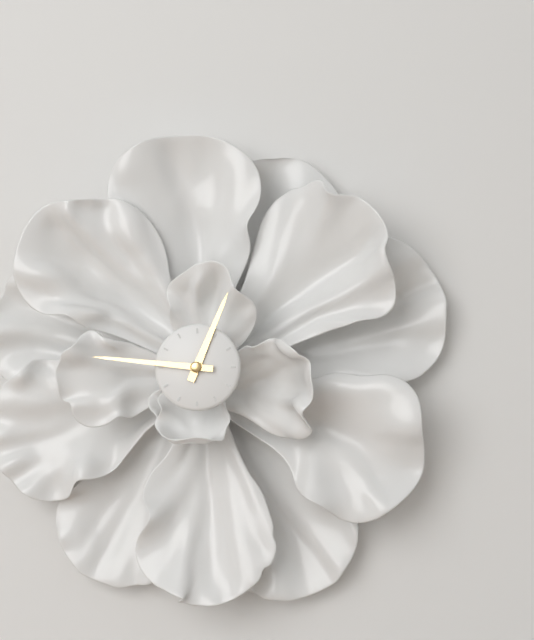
12:46
